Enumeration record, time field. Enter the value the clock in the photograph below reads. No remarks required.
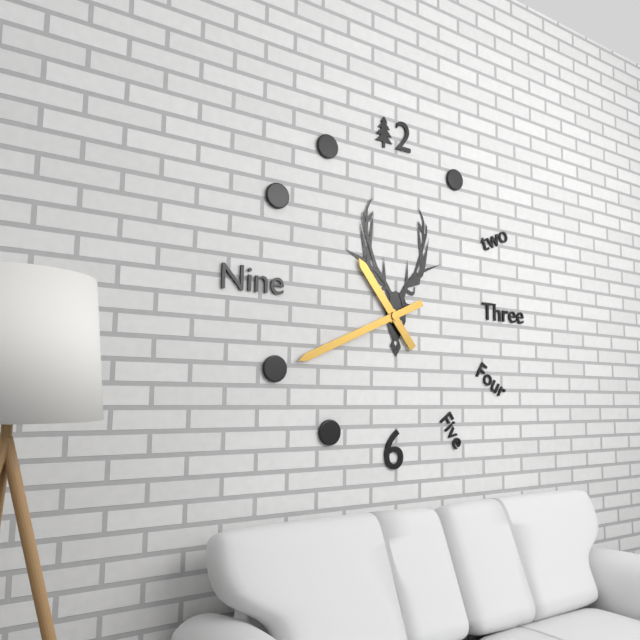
10:41
